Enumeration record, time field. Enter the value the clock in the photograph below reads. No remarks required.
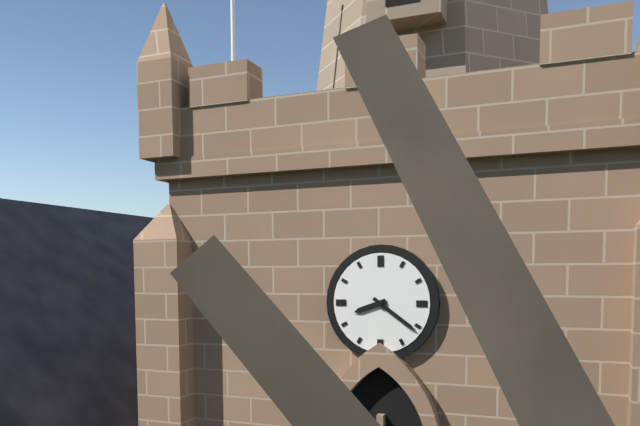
8:21
